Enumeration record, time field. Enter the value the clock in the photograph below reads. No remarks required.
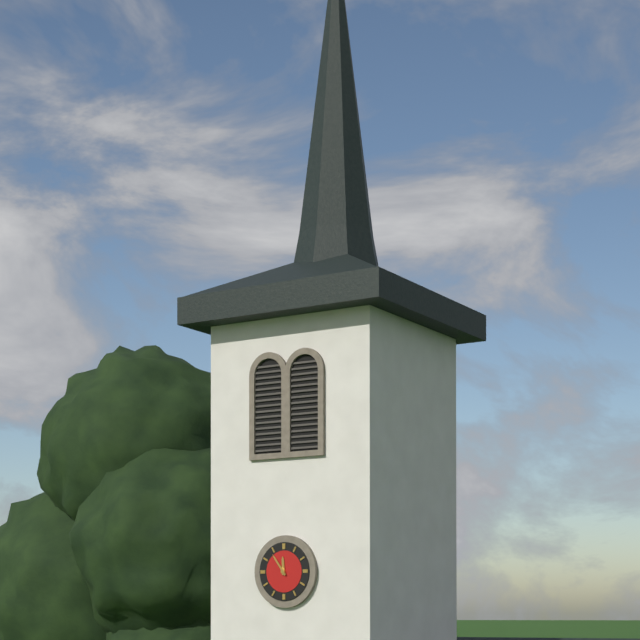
11:54
